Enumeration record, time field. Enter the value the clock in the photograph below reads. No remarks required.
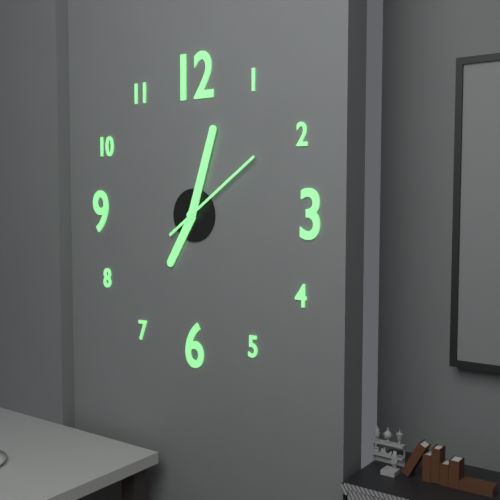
7:03:09
